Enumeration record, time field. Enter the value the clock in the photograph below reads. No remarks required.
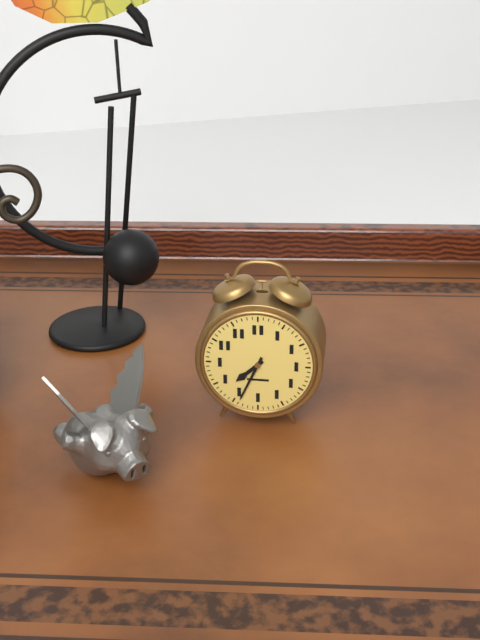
7:34
